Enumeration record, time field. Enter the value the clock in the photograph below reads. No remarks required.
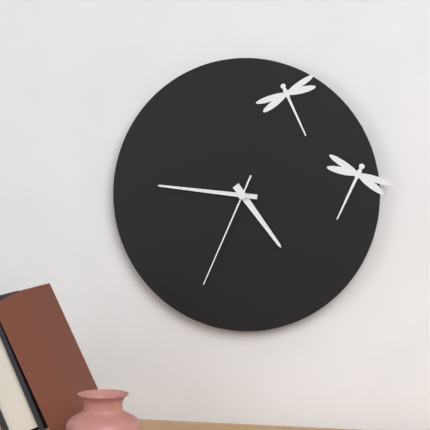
4:46:34
